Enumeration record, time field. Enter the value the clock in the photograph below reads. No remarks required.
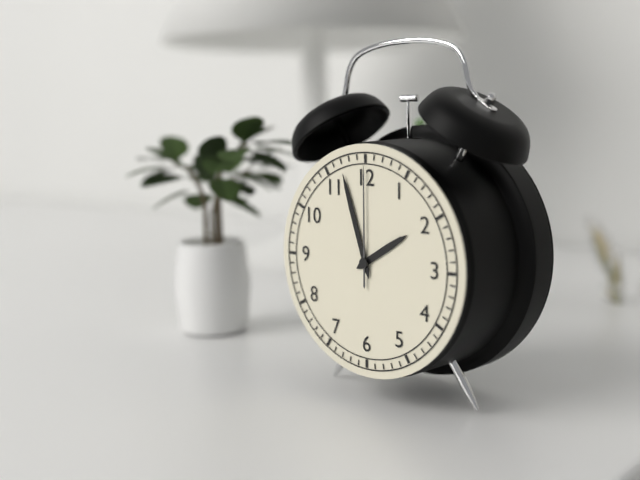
1:57:00
